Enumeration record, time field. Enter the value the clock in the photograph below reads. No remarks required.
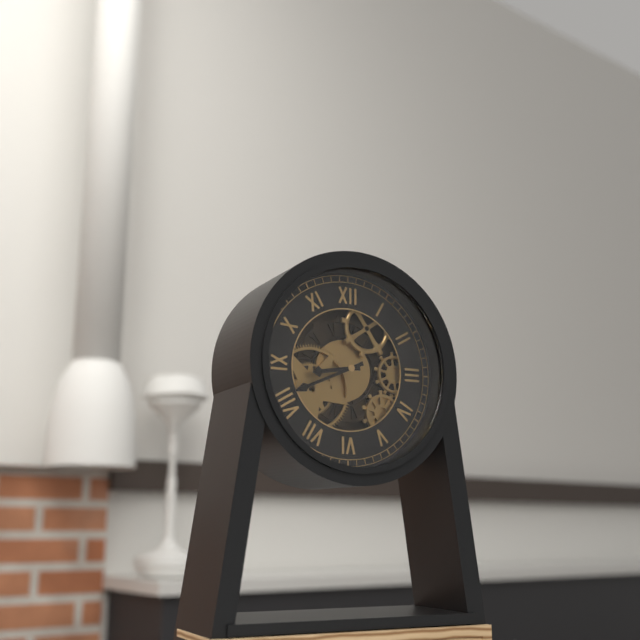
8:41
